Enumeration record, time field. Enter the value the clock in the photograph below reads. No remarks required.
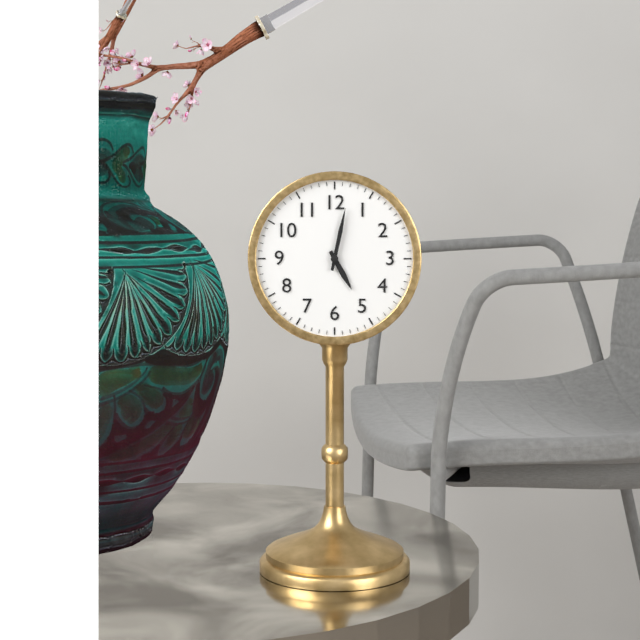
5:02
